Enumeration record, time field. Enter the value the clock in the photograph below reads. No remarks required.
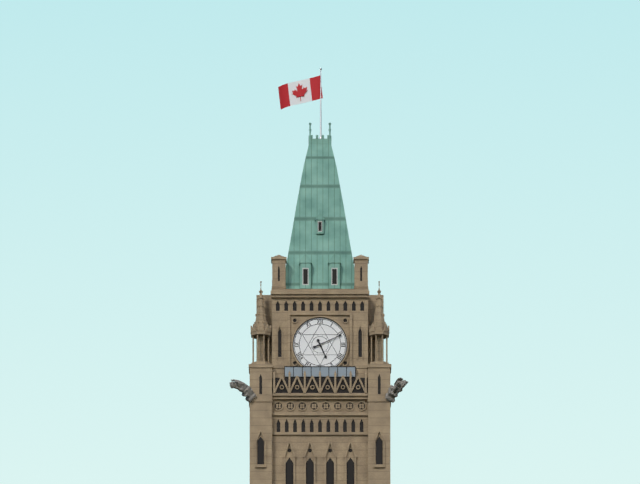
5:11
